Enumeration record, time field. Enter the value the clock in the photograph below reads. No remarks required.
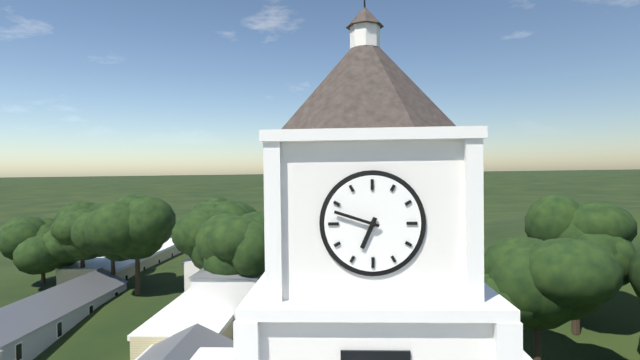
6:48
